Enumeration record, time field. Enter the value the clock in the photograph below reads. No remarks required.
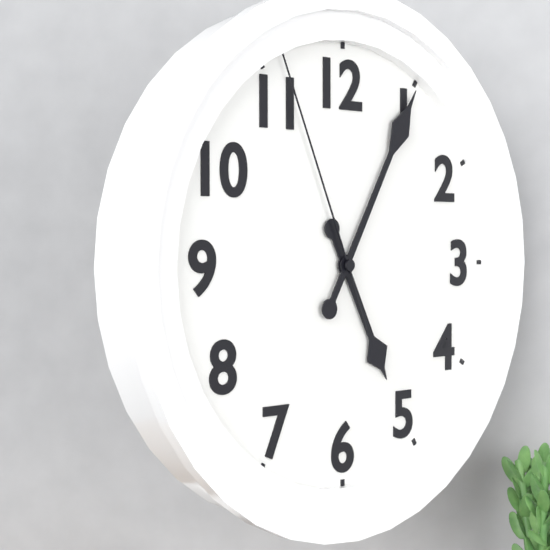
5:05:56
